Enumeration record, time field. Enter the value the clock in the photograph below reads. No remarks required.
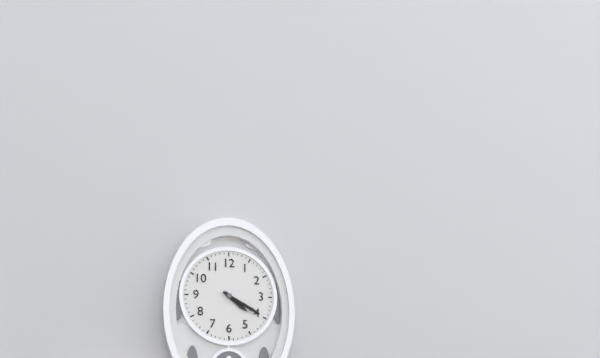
4:20
